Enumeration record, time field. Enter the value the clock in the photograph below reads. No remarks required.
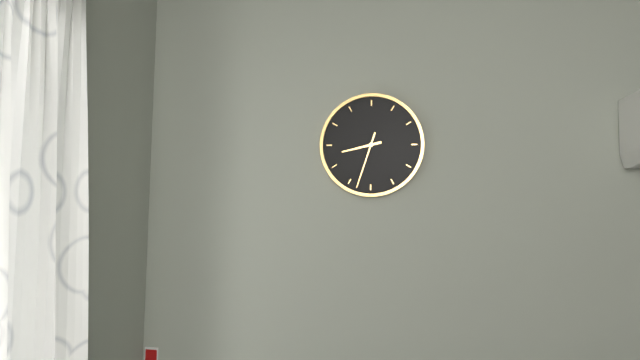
8:33
